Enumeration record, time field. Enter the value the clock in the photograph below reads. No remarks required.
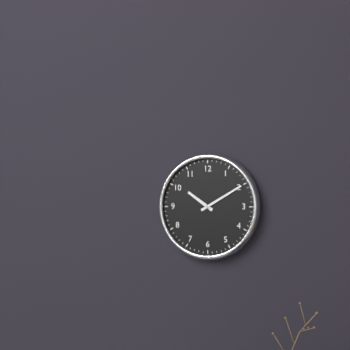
10:10
